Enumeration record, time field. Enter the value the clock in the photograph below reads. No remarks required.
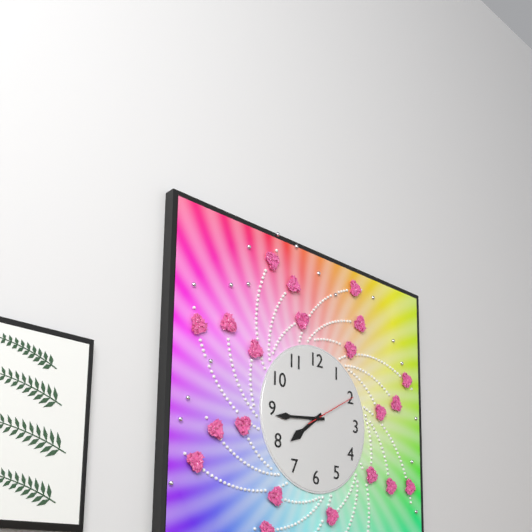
7:44:10
